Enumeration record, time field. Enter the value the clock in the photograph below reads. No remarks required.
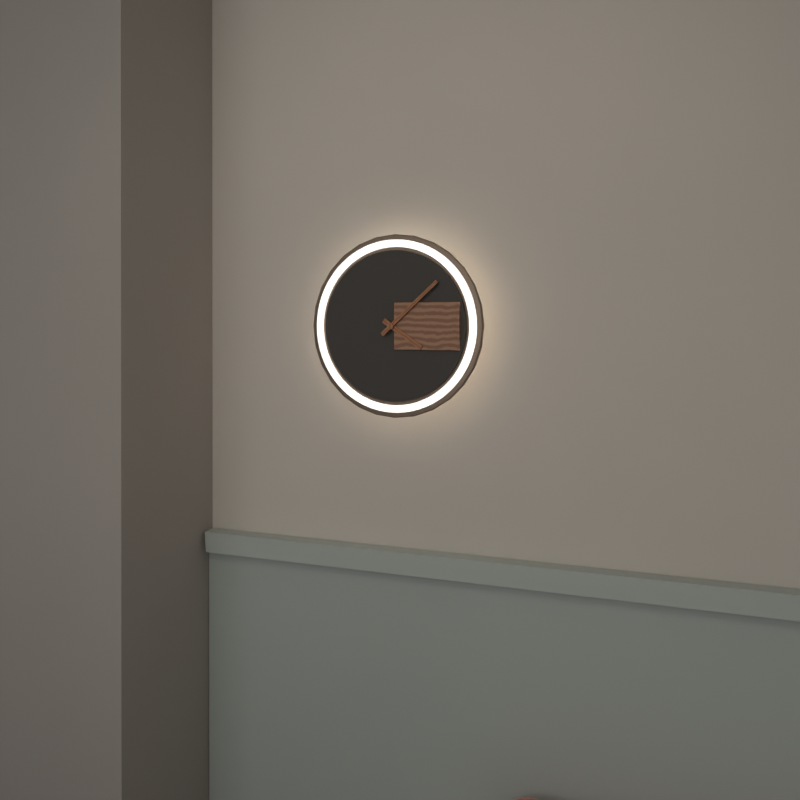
4:08
